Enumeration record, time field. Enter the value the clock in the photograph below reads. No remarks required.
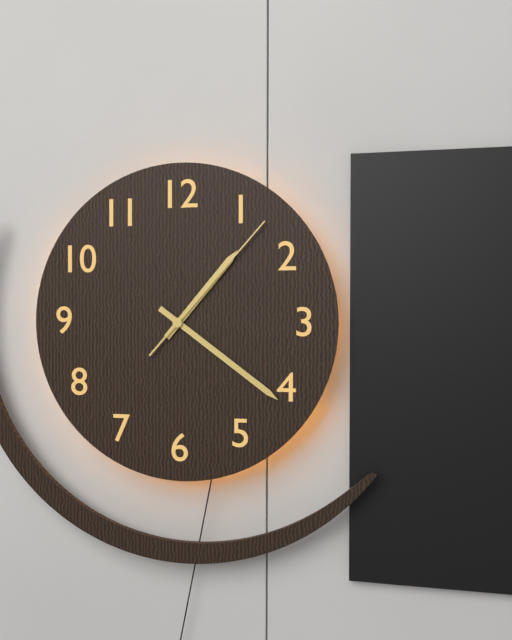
1:21:07
